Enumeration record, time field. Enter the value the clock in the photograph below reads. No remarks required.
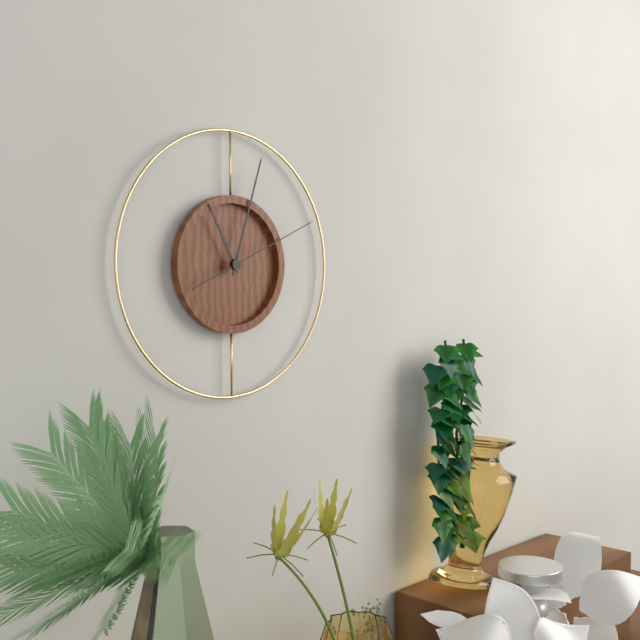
11:03:11
